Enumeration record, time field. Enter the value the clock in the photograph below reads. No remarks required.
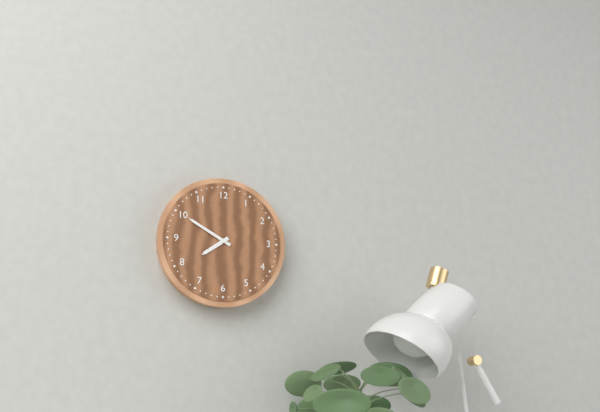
7:50
